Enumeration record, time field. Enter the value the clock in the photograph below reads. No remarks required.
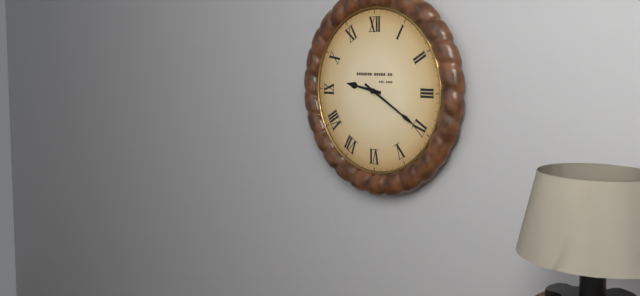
9:20
